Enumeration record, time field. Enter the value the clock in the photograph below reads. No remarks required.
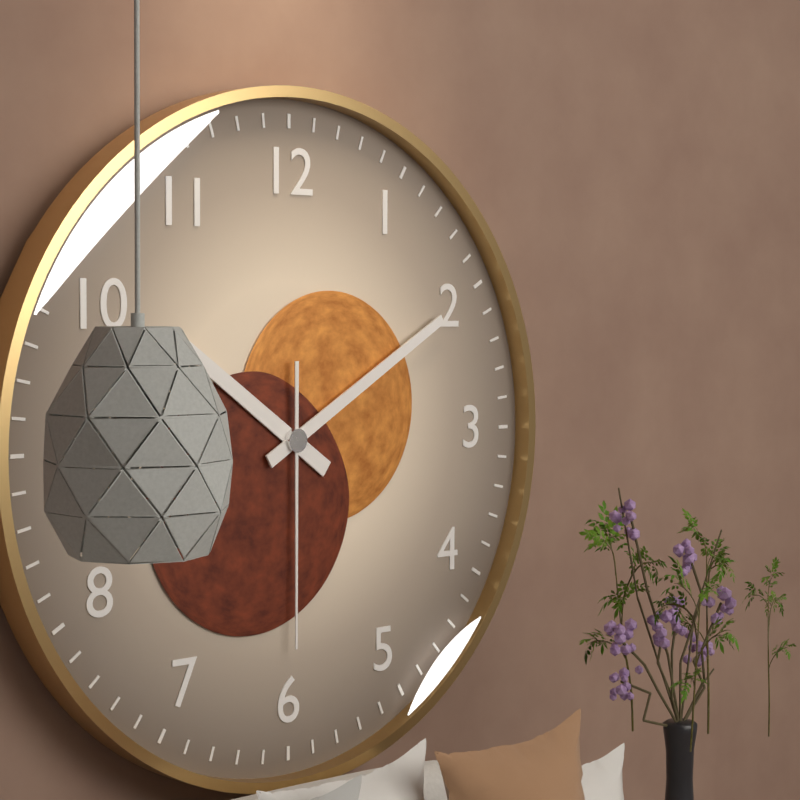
10:10:30
